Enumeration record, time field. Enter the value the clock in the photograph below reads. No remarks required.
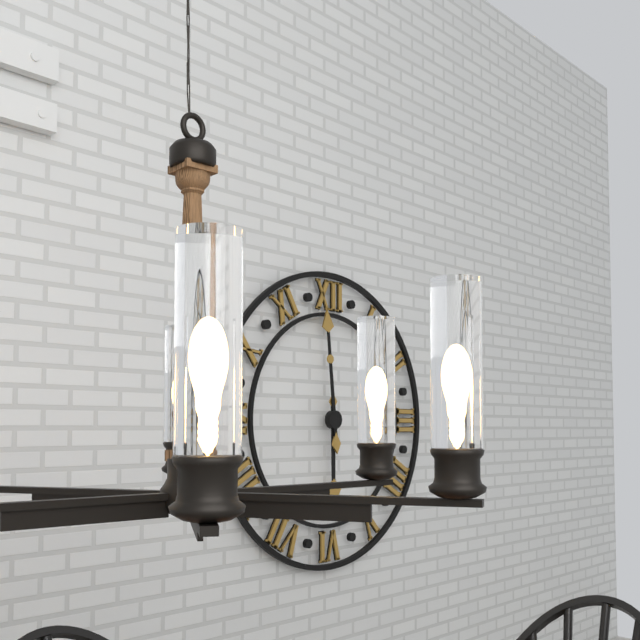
5:59
